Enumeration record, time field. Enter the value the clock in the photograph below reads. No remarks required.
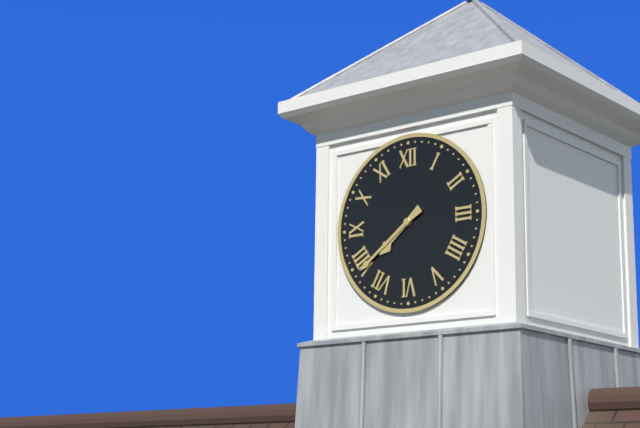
7:39
